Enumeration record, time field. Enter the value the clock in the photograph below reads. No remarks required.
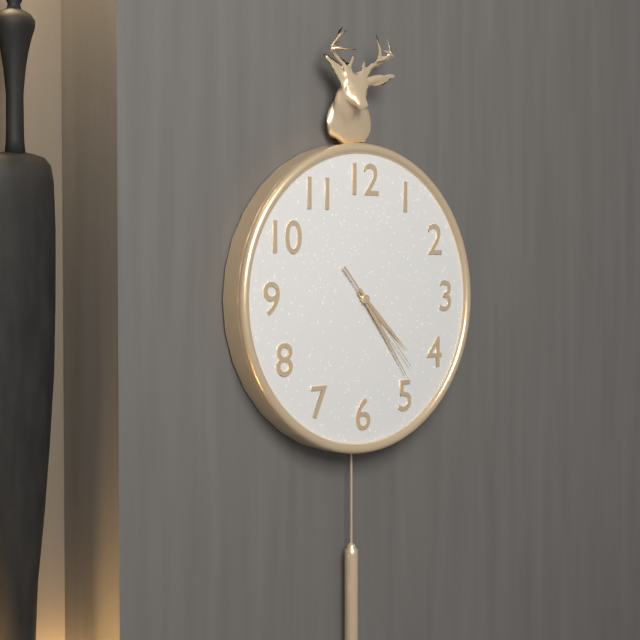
4:24:23
